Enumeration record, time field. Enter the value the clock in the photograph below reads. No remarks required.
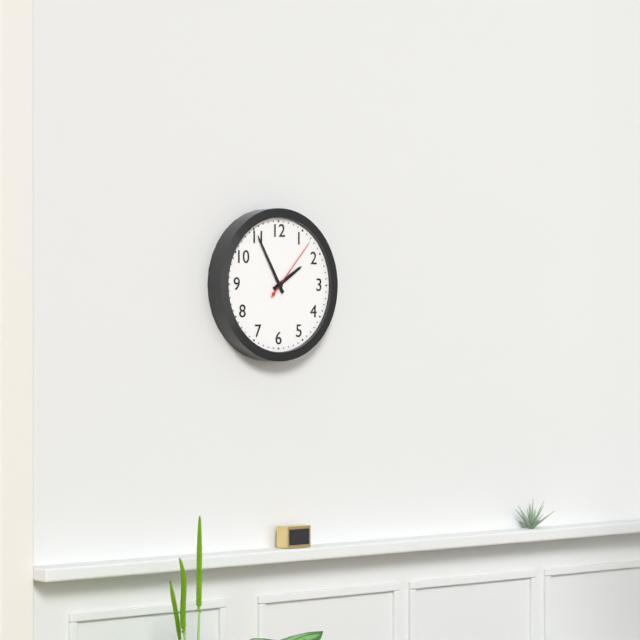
1:55:07
